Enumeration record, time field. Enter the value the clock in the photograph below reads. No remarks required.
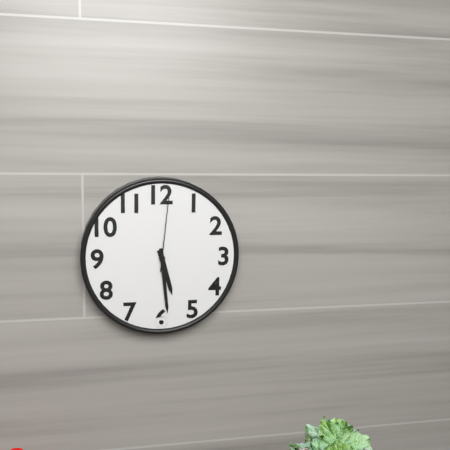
5:29:01
